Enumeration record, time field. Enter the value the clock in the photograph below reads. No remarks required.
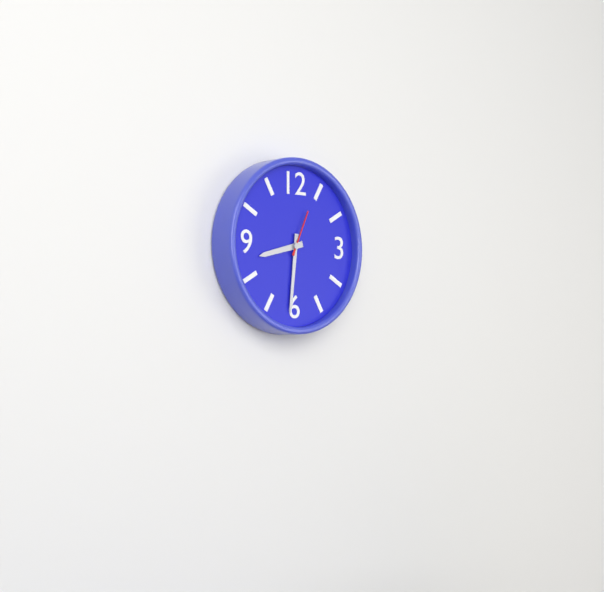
8:31
